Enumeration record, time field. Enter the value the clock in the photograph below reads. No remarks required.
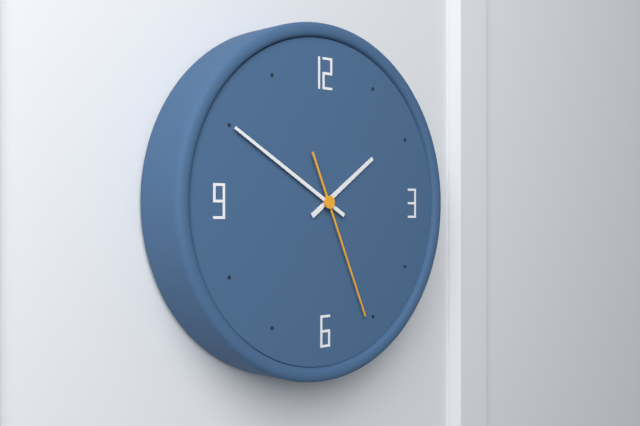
1:50:26
